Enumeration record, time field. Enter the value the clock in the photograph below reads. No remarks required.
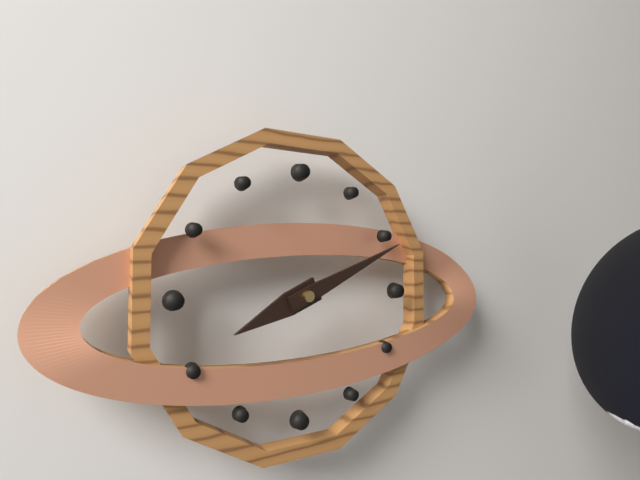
8:11
